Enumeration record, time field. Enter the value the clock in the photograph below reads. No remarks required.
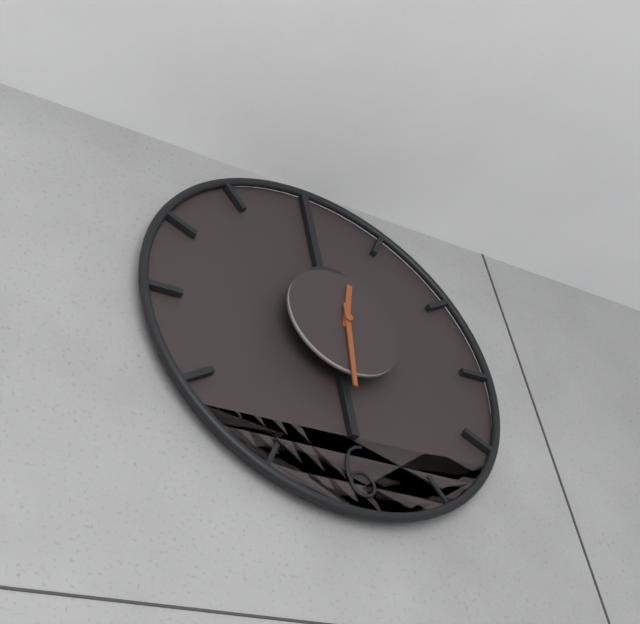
12:31
